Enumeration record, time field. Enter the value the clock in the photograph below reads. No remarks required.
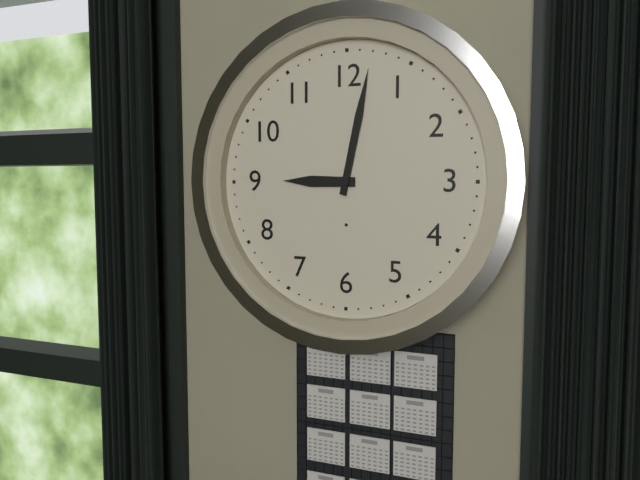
9:02
